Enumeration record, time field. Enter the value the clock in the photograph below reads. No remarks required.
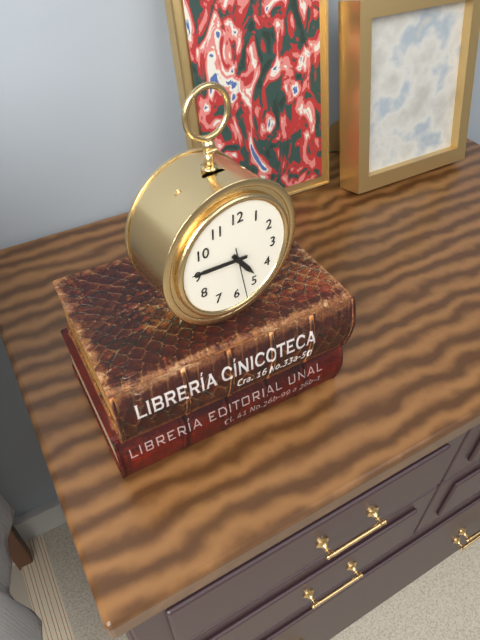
4:46
